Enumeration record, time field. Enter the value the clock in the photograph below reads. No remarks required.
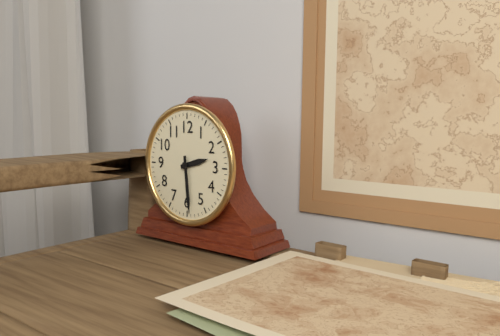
2:29
